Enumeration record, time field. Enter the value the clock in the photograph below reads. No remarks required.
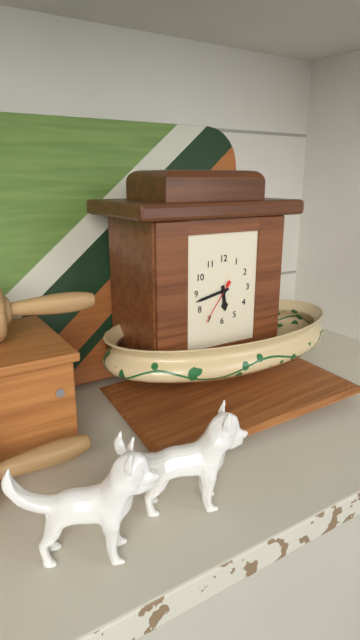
5:43:36
